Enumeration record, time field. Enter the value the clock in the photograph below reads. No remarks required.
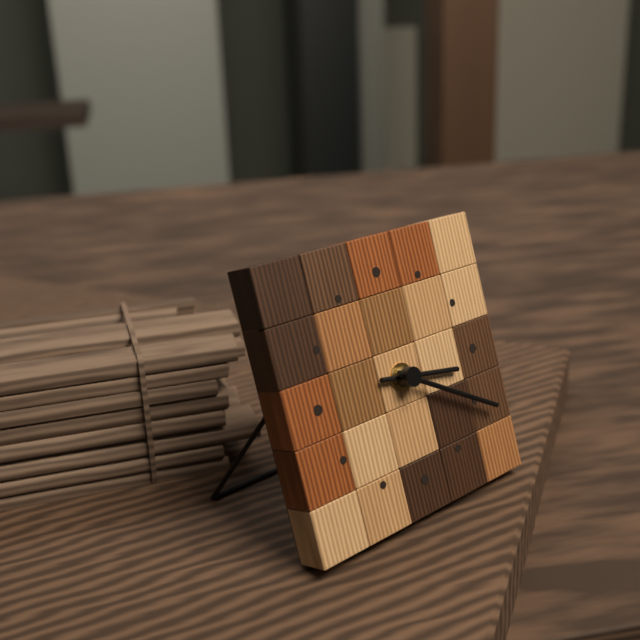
3:20
